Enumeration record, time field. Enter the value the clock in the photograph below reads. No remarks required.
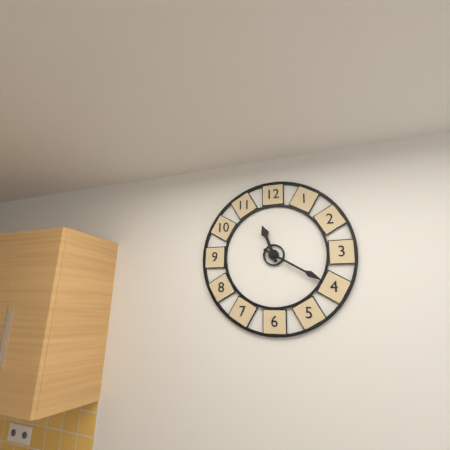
11:20
